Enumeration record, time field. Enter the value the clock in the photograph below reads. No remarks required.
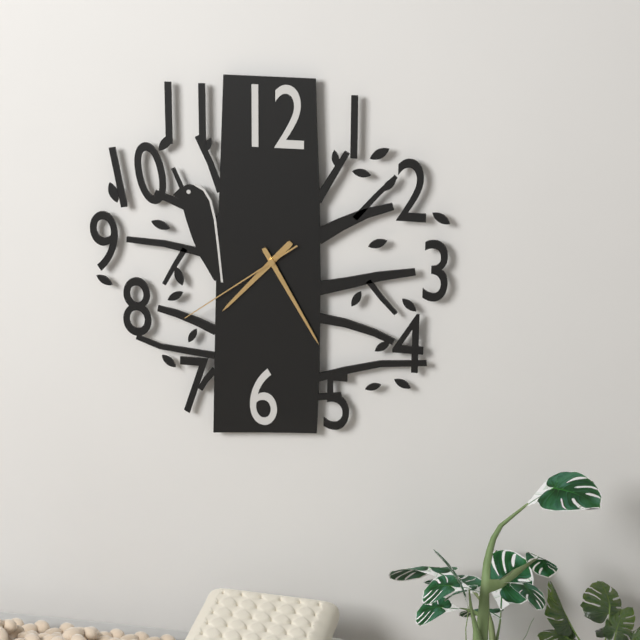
7:25:39
